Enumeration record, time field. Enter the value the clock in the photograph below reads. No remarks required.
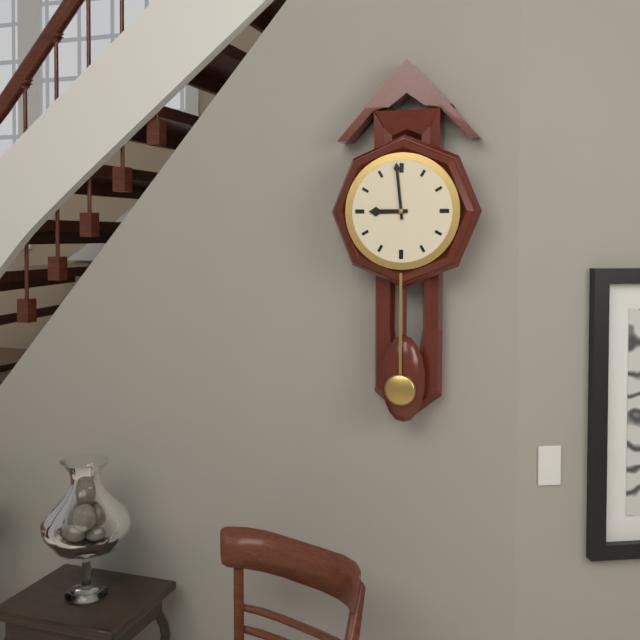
8:59
